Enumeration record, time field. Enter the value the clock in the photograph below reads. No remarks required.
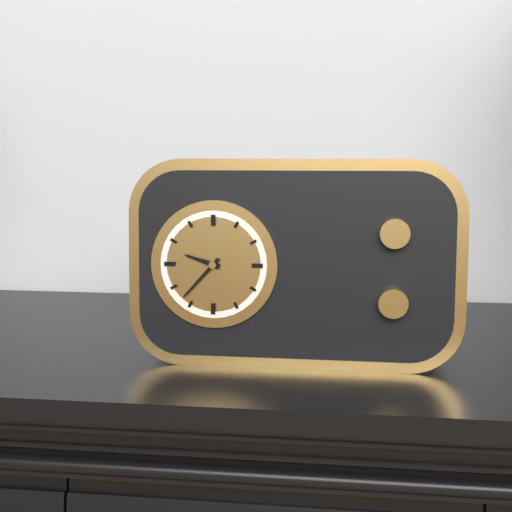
9:37
